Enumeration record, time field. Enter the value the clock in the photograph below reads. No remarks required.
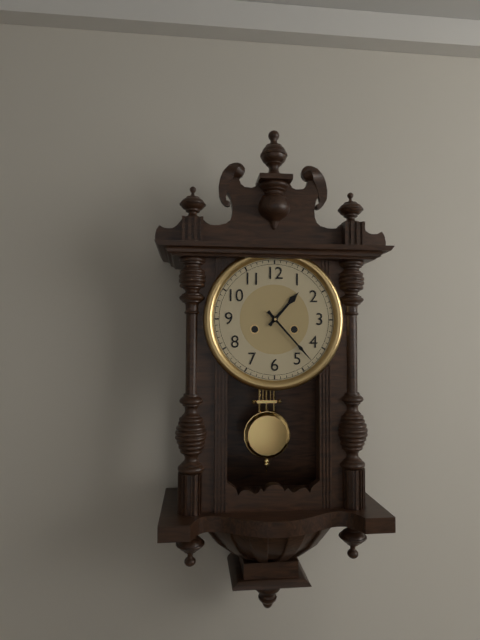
1:23
